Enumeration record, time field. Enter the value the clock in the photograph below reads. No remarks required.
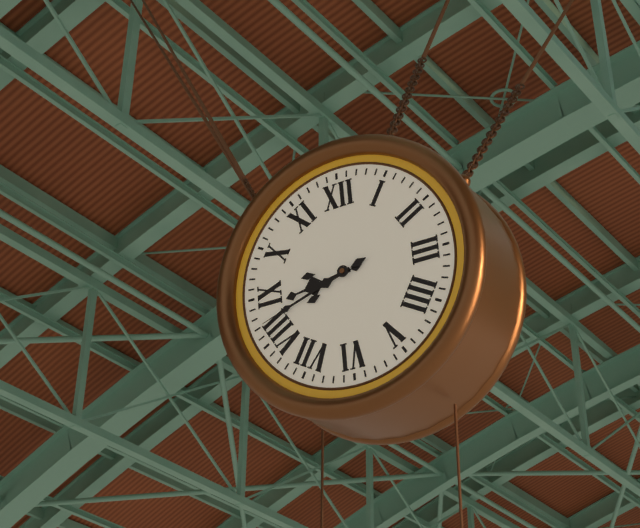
8:42
